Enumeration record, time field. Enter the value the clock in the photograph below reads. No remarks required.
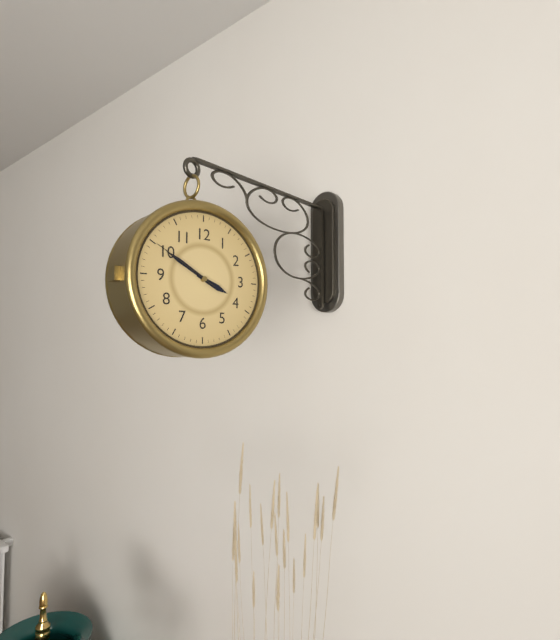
3:50:50
